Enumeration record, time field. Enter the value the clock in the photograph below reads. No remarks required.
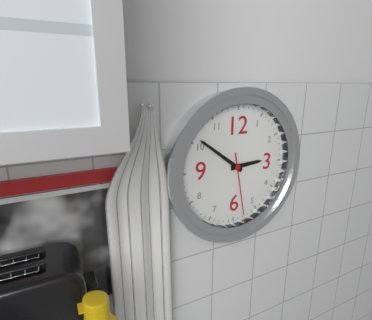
2:51:28
